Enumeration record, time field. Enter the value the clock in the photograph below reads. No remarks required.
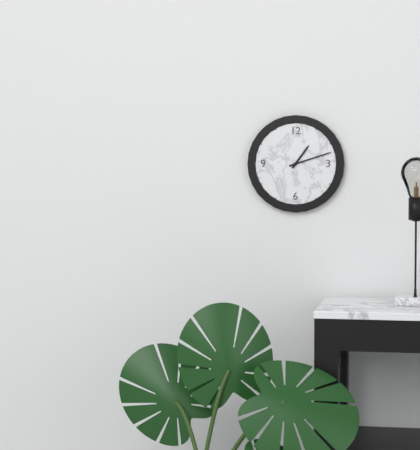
1:12
